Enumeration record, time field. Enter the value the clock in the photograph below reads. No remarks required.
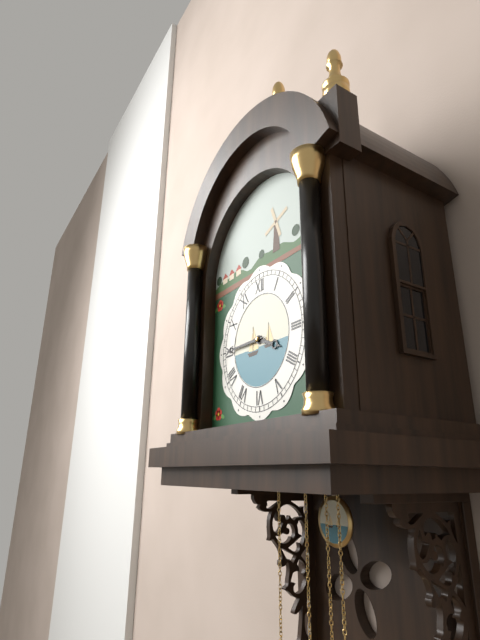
3:45
